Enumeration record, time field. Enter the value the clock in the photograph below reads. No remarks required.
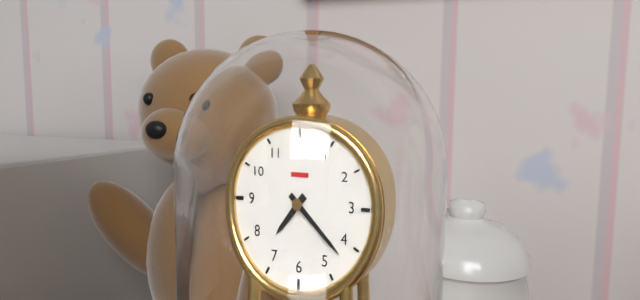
7:22
